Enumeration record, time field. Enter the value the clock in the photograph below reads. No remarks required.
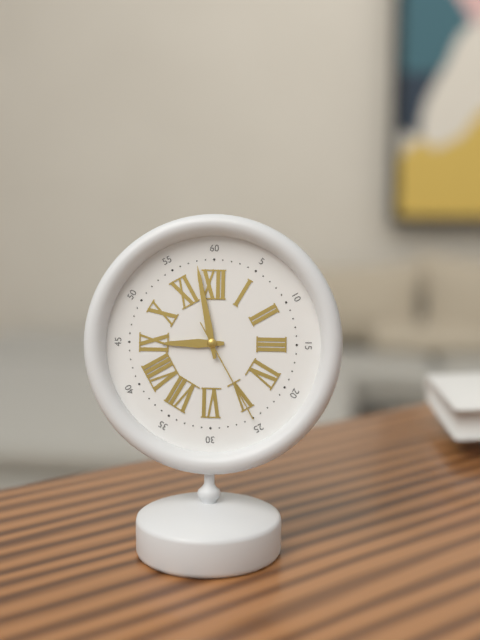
8:58:25
